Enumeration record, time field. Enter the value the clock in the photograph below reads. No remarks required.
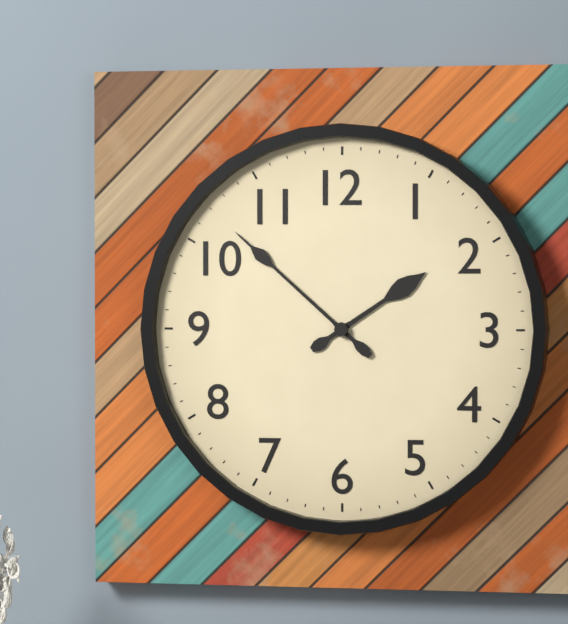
1:52
